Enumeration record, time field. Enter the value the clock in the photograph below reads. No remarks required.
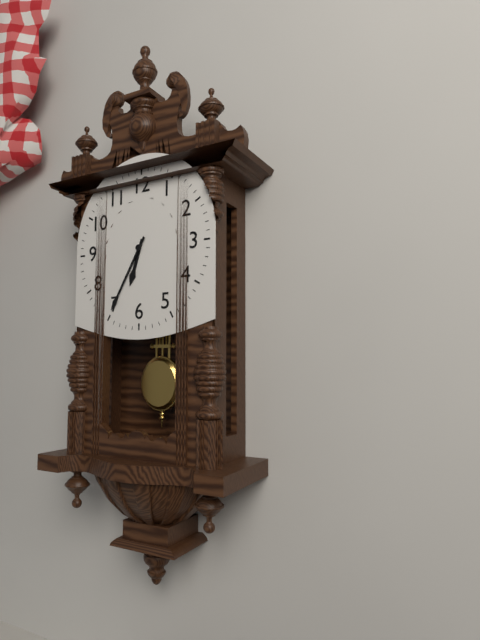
6:35
